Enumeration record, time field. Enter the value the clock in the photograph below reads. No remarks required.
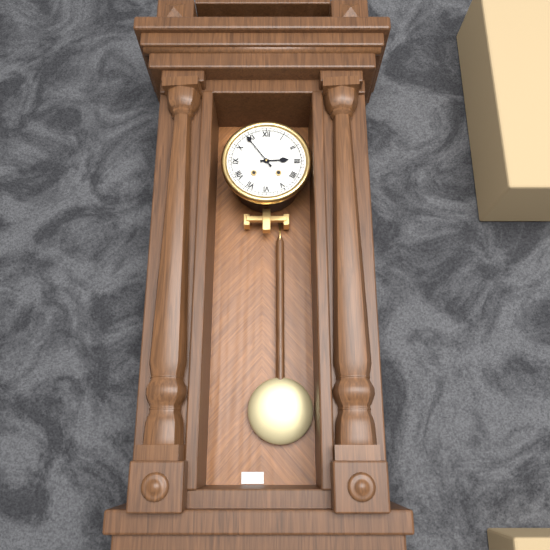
2:54
